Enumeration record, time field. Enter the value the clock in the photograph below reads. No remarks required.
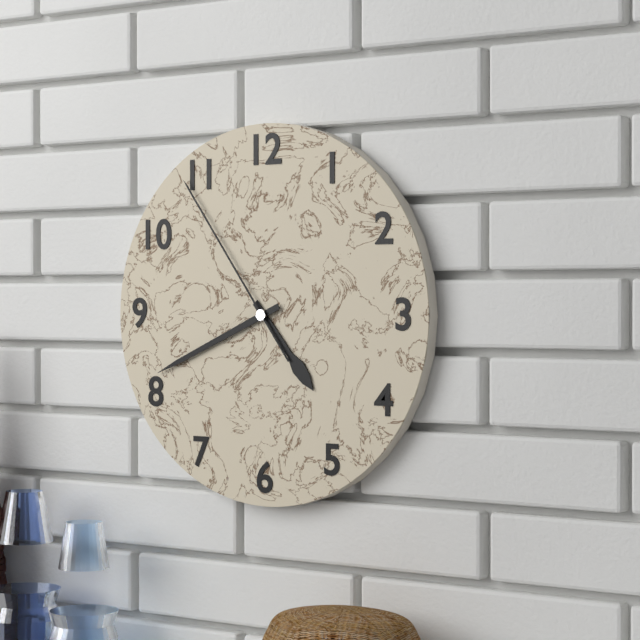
4:41:54
